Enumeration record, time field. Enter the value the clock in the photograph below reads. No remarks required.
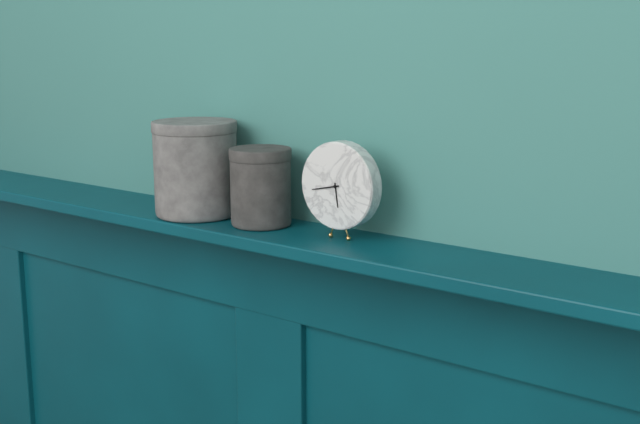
5:43
